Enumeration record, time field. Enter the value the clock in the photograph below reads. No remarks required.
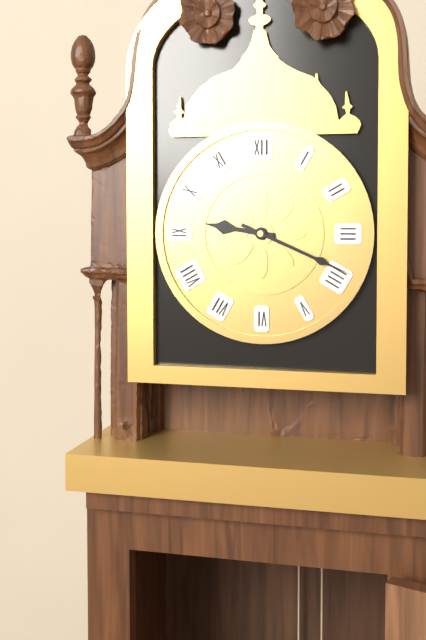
9:19
